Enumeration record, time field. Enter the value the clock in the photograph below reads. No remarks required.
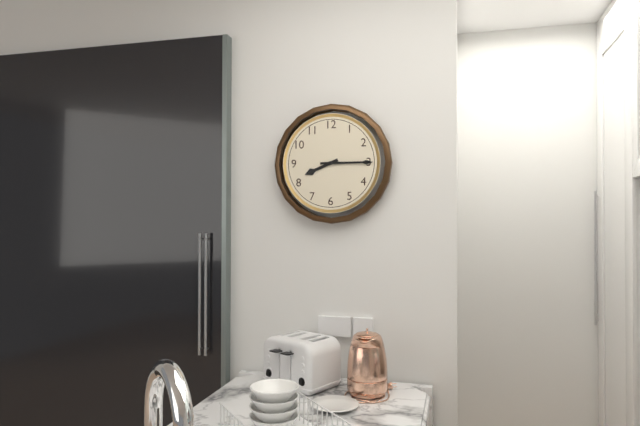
8:15
